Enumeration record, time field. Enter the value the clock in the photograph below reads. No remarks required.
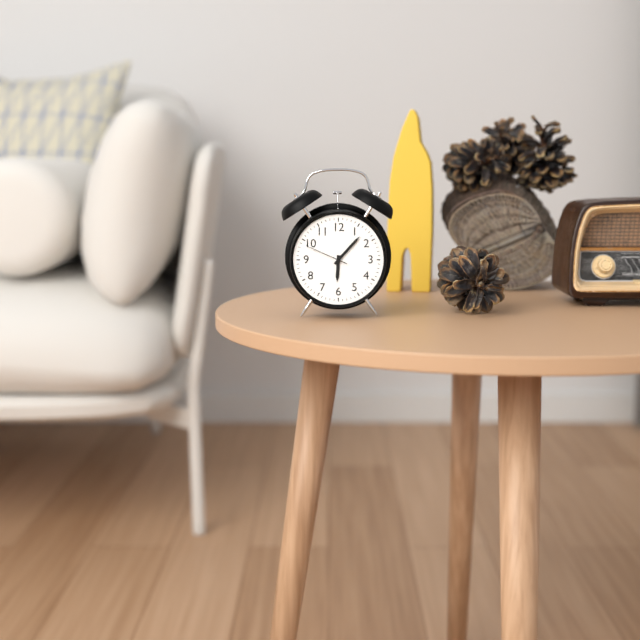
6:07
